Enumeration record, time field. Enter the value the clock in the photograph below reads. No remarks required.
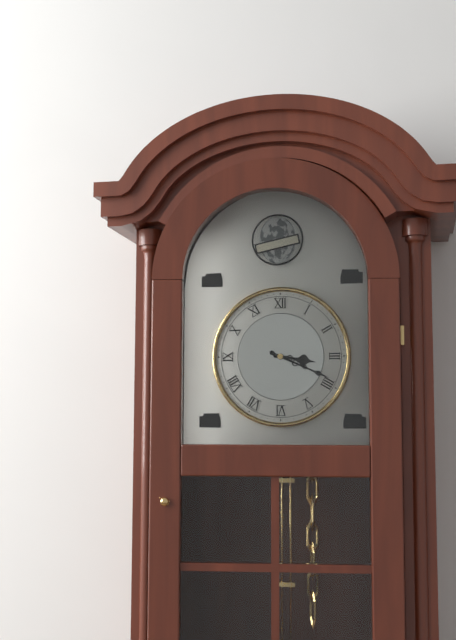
3:19
